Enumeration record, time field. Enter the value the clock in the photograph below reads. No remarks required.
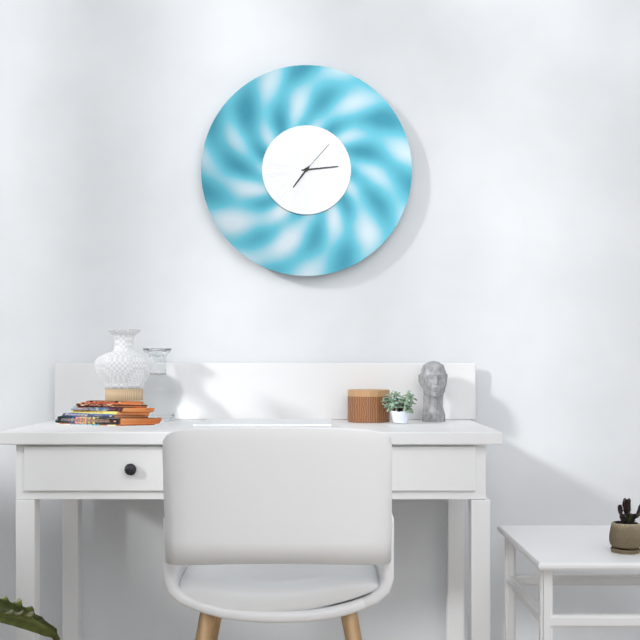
7:14
